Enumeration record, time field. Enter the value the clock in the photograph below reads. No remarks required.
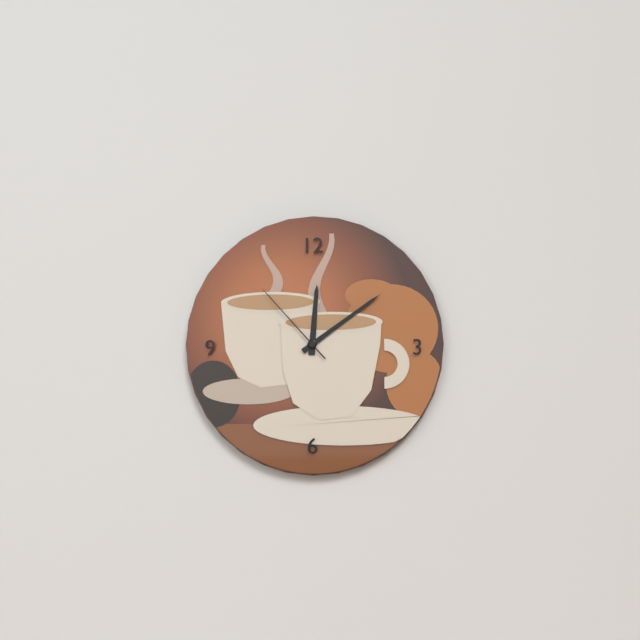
12:09:53
